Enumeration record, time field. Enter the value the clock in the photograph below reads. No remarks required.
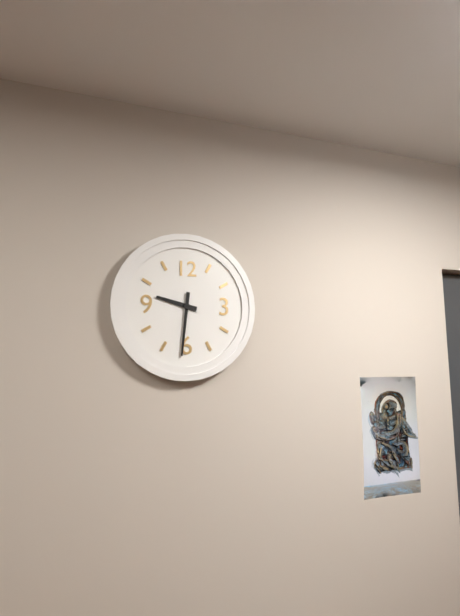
9:31
